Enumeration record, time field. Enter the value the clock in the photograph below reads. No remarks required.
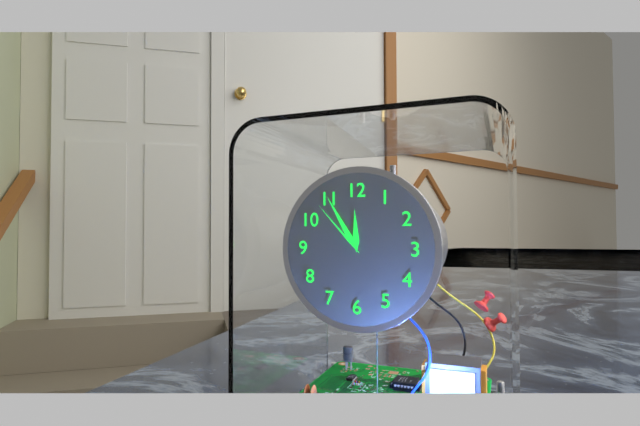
11:55:53
